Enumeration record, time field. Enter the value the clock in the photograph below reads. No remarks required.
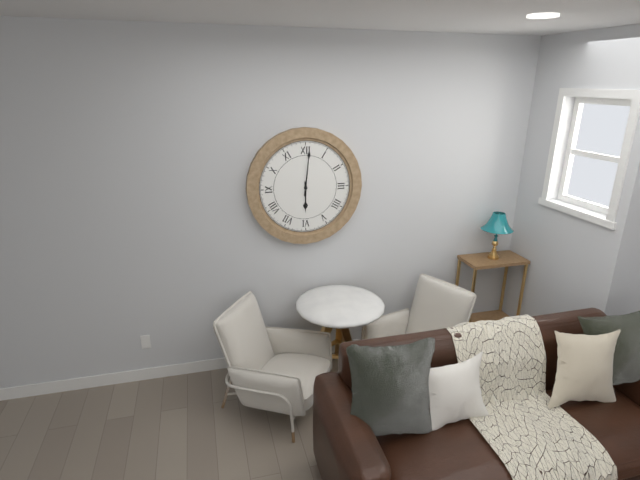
6:01
